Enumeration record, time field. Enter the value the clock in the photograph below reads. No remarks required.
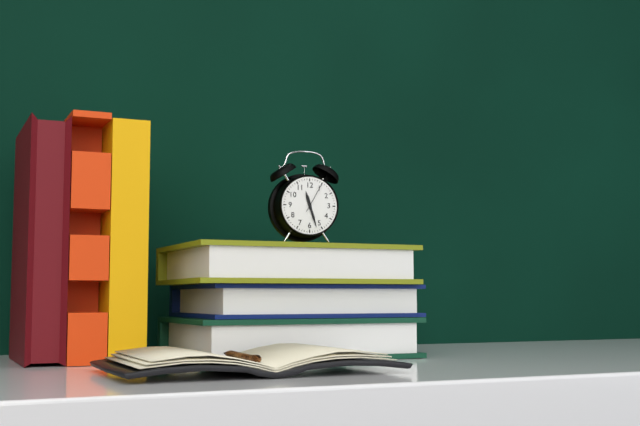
11:27
